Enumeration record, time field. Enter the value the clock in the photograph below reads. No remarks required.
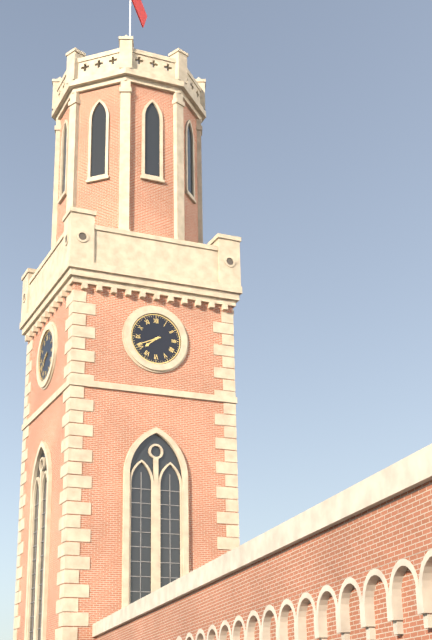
7:41
